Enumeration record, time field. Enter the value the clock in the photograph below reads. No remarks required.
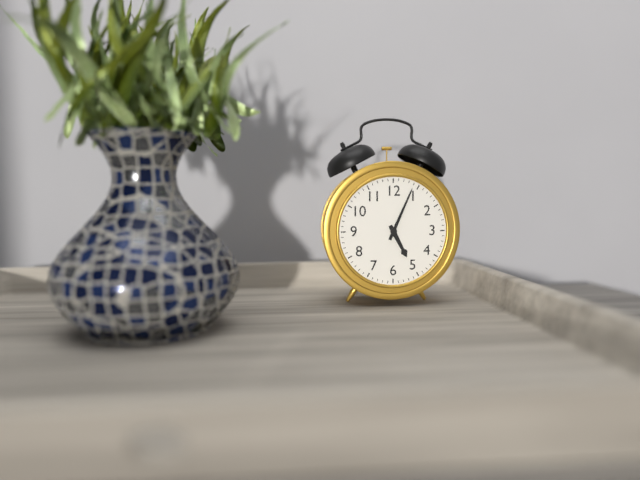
5:04
